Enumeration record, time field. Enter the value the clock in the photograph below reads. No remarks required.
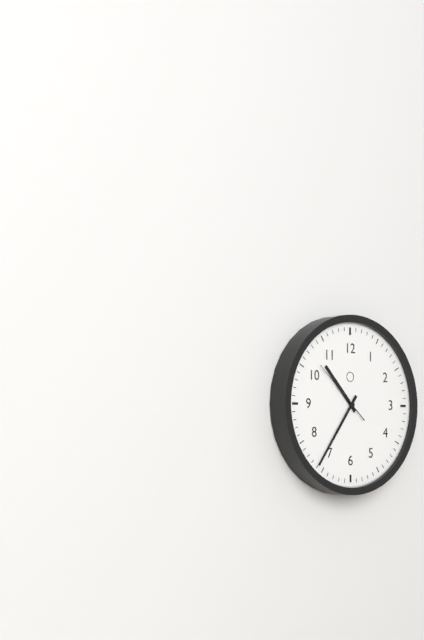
10:36:52
